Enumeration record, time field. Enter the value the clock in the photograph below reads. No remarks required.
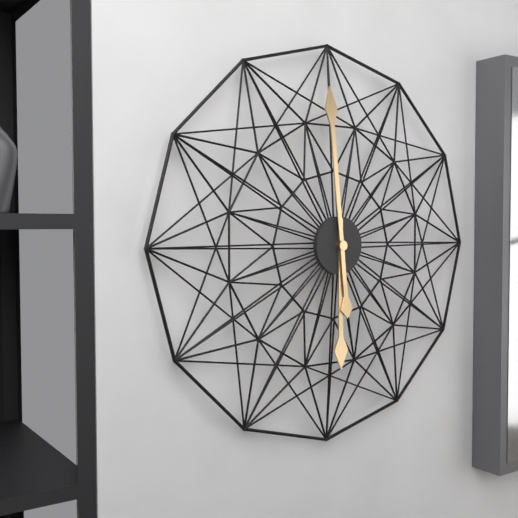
5:59
